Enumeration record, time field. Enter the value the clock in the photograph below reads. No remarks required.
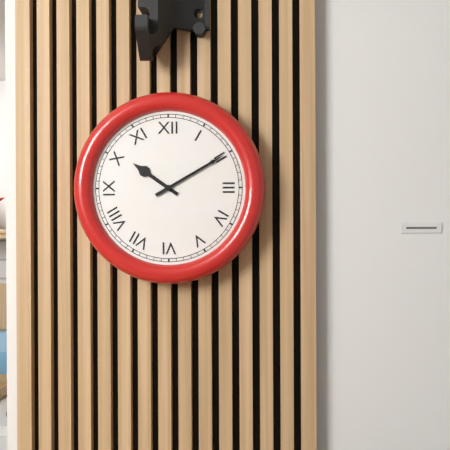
10:10
